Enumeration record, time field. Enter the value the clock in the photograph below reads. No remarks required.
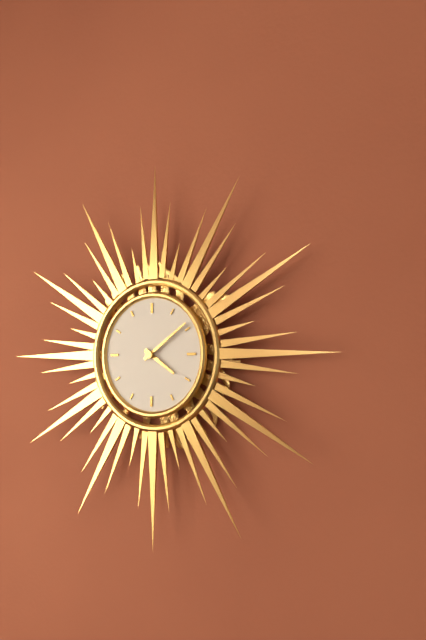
4:09
